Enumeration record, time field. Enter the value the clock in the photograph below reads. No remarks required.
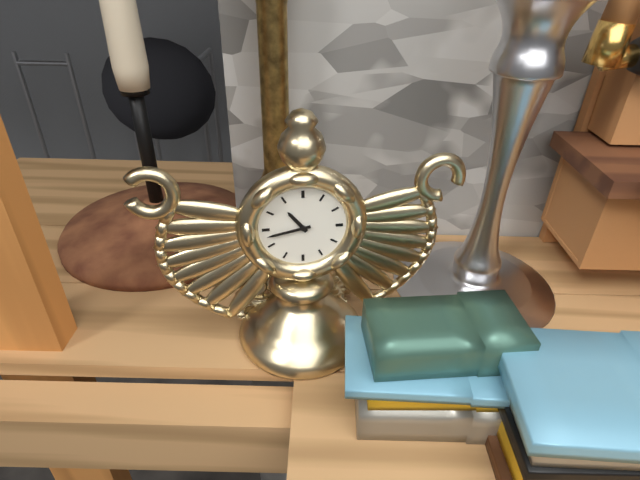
10:43
